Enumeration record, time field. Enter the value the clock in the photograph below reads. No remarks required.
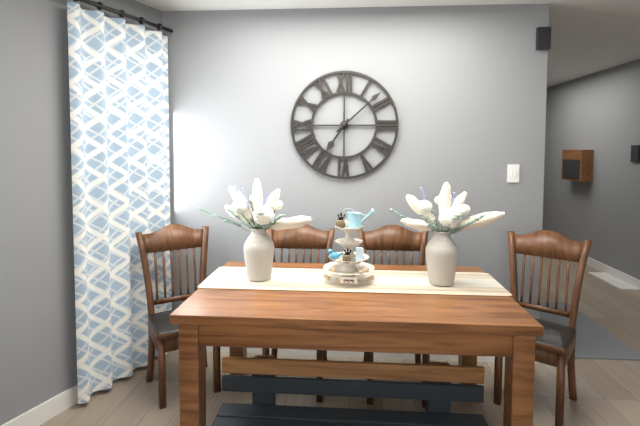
7:08
